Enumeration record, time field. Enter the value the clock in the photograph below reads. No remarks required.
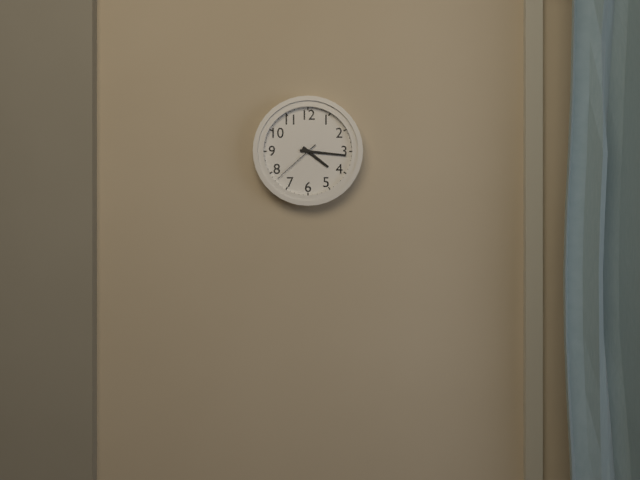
4:16:38
